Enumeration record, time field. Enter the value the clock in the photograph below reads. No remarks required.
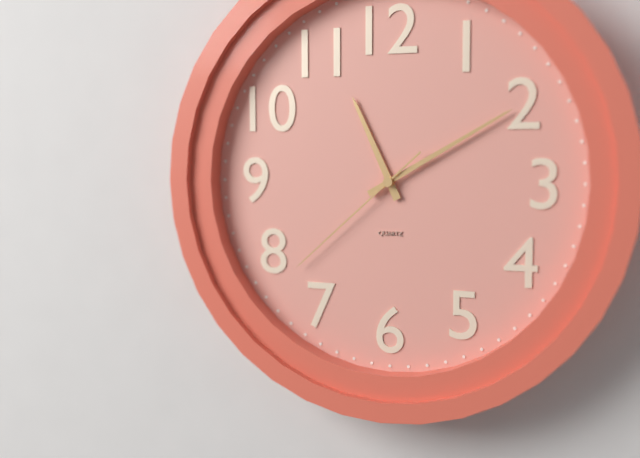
11:10:38
